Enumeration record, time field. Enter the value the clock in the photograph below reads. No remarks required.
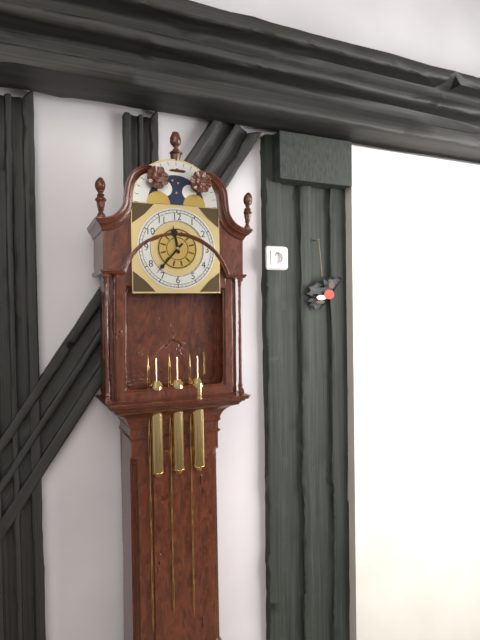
11:37
